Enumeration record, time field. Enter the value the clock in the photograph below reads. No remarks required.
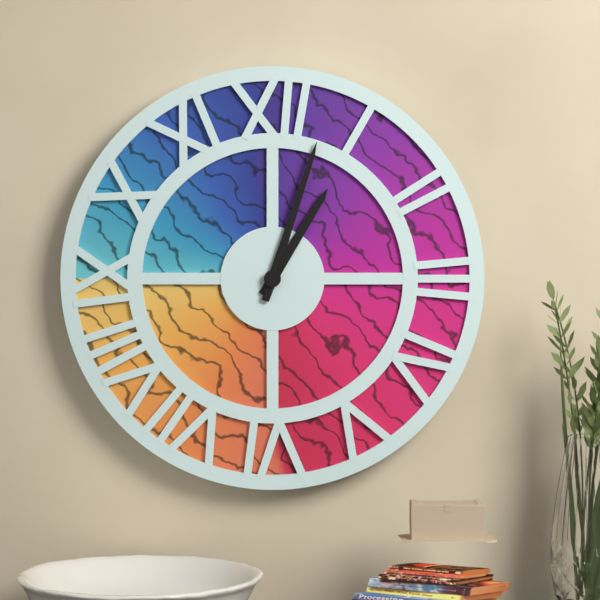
1:03
